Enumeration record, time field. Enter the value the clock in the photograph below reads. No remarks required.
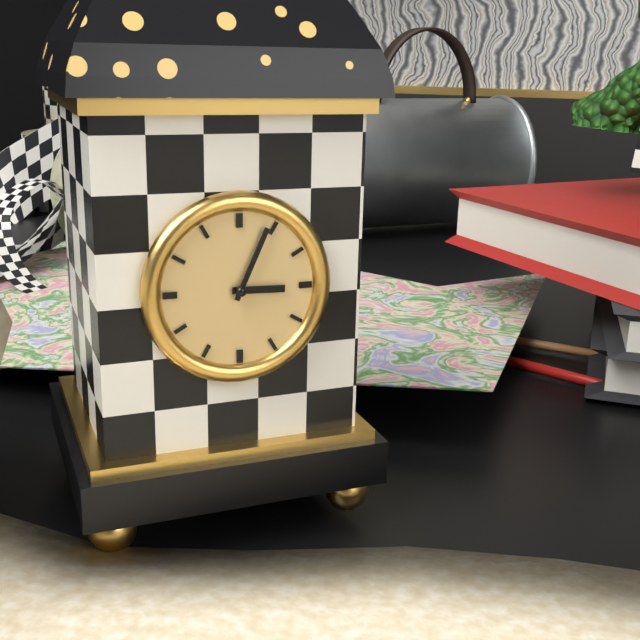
3:04
